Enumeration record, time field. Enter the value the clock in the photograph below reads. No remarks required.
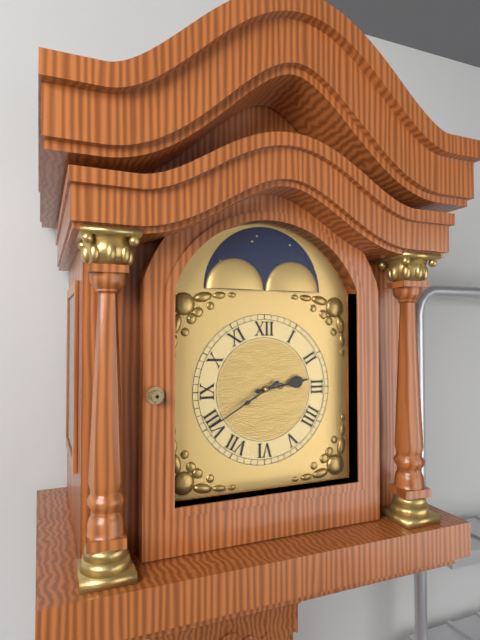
2:40
